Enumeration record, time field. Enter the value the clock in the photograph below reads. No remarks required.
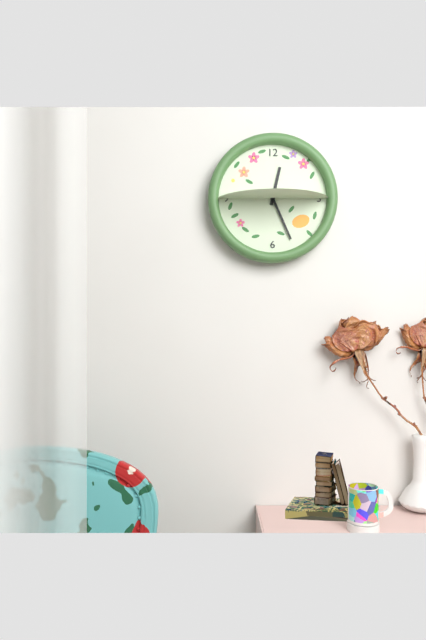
12:26
